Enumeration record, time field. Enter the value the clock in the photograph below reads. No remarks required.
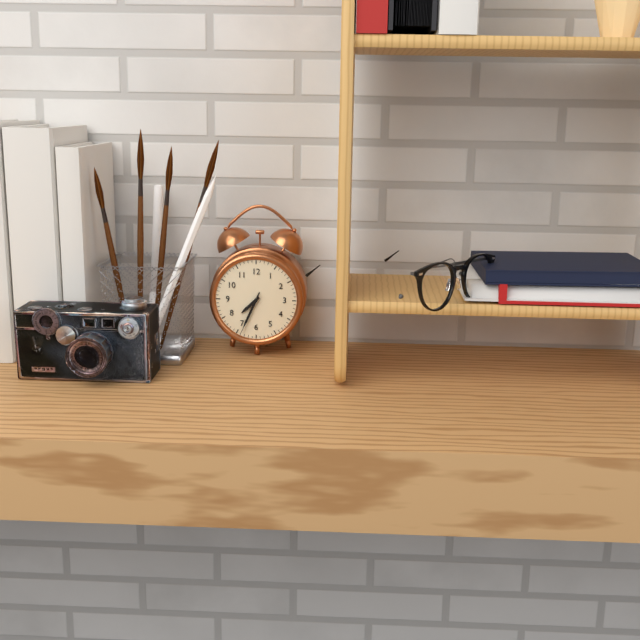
7:34
